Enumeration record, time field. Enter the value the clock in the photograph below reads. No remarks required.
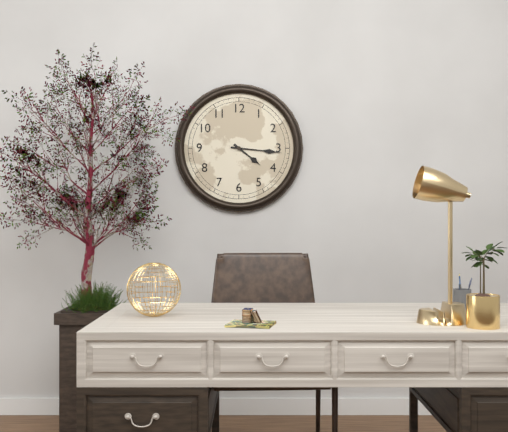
4:16
